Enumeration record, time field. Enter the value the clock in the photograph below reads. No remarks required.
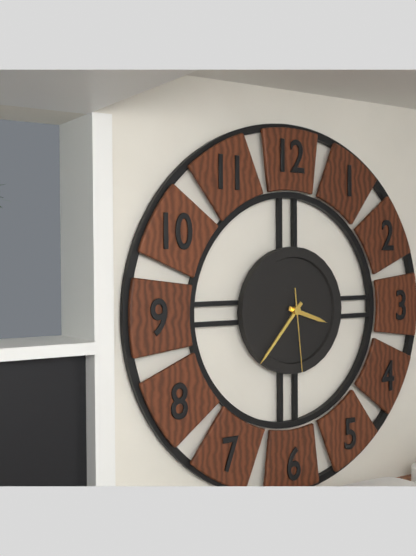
3:37:29
